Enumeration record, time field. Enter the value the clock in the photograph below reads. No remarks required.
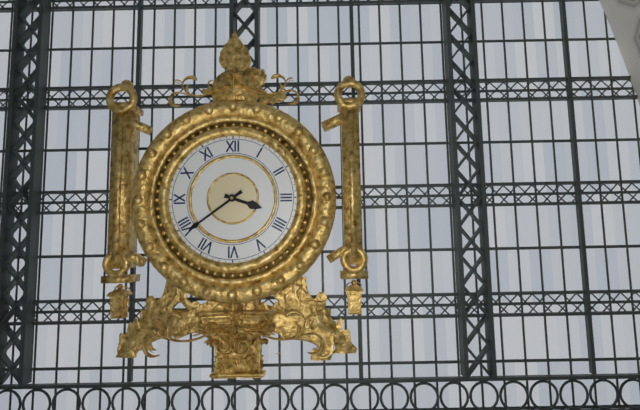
3:39
